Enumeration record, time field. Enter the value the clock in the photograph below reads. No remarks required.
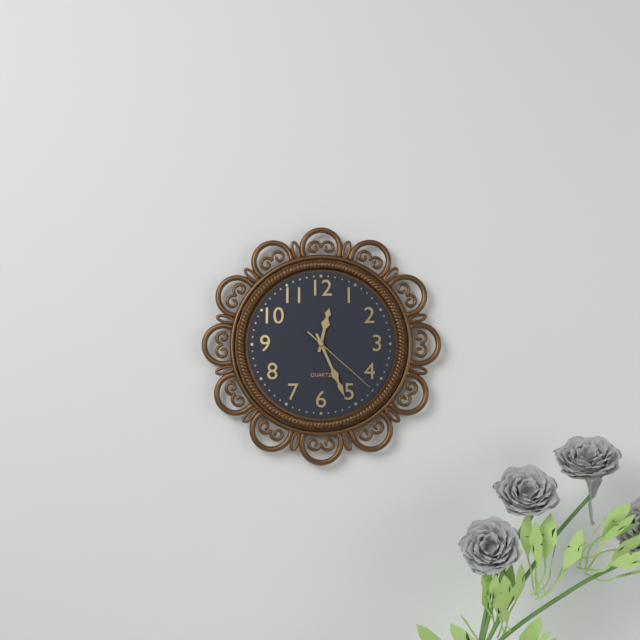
12:26:22
